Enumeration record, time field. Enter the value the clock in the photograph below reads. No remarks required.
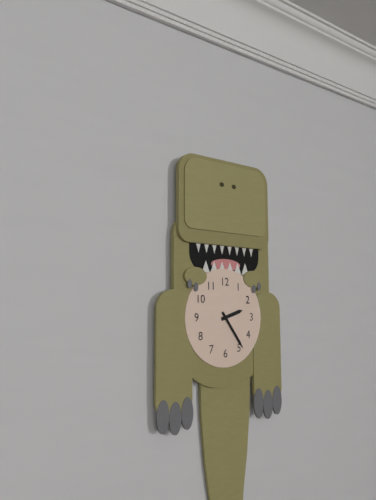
2:24
